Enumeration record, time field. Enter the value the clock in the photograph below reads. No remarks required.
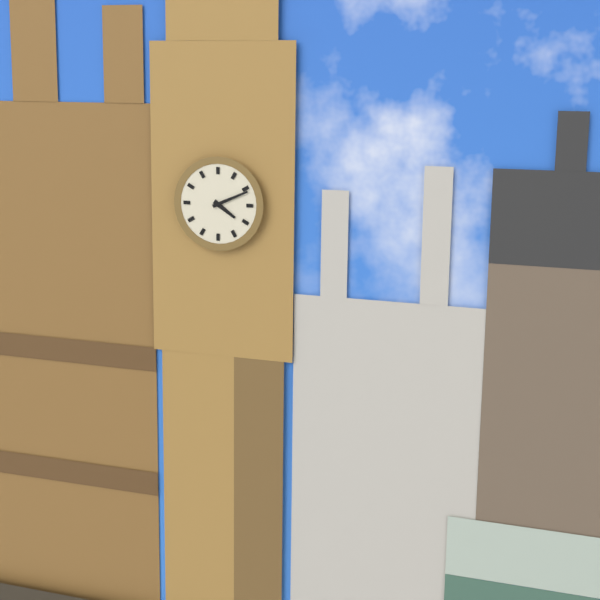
4:11
